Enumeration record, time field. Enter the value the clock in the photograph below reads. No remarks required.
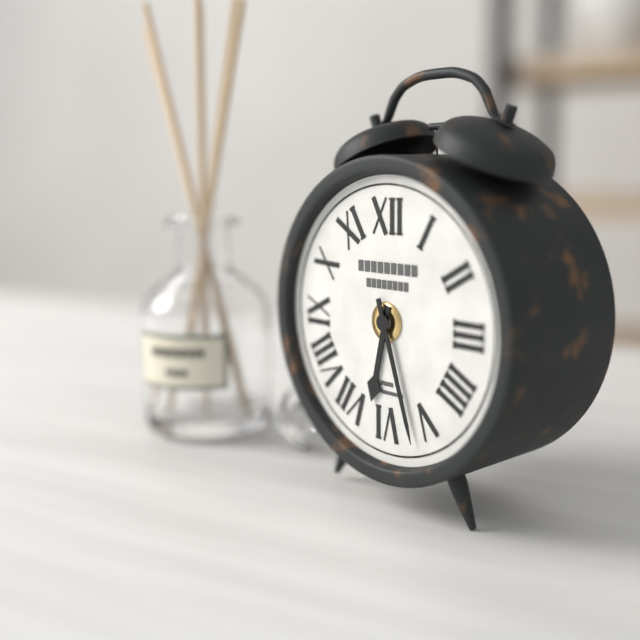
6:27
